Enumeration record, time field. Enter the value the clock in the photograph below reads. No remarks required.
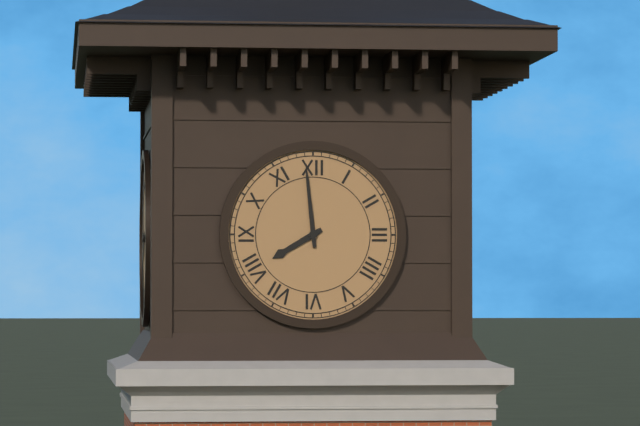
7:59
